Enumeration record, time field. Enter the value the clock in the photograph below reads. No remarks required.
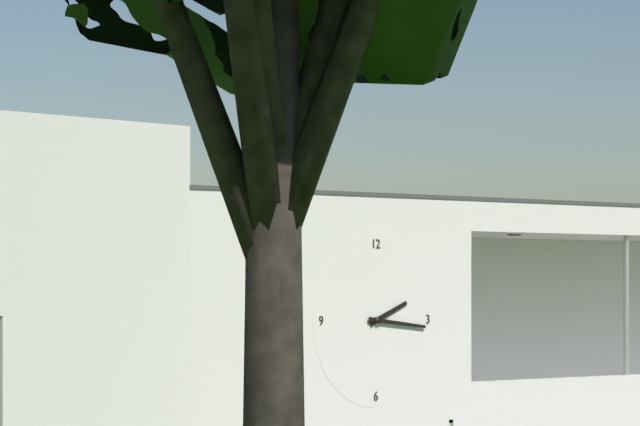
2:16
